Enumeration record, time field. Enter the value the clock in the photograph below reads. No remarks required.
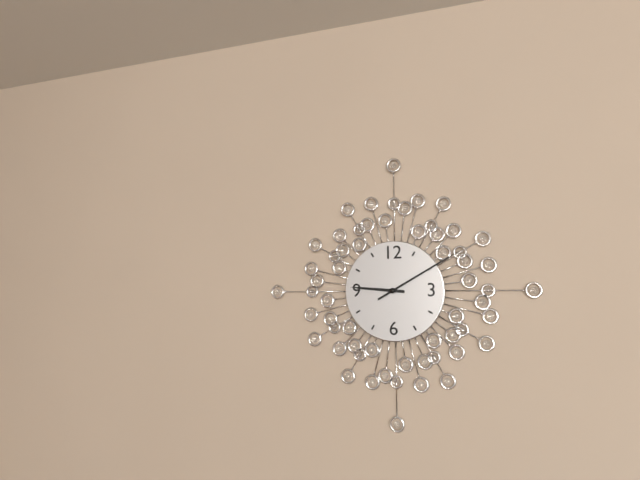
9:10
